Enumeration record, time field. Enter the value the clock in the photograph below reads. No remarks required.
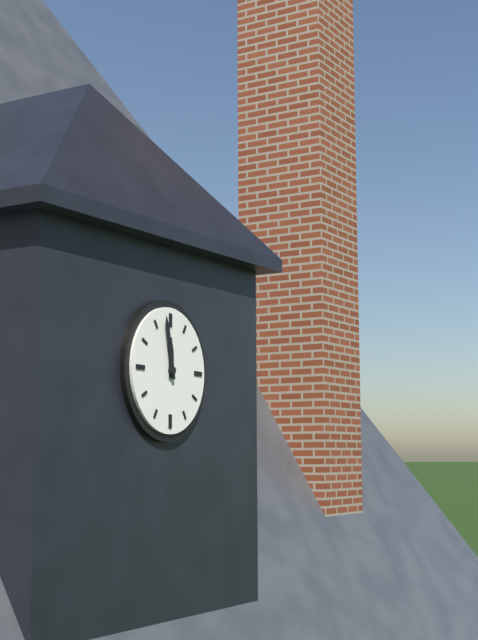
11:58
